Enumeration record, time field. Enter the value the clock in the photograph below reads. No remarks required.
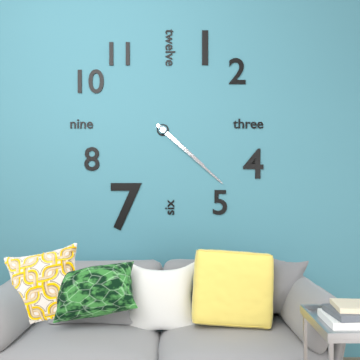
4:22
